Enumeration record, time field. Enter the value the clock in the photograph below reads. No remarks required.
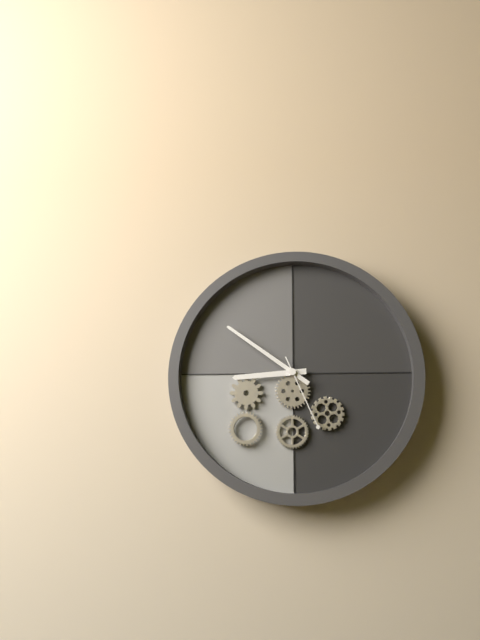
8:51:26
